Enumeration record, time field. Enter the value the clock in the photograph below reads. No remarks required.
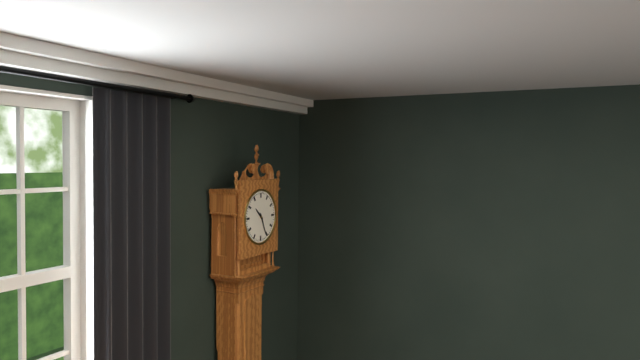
10:26
